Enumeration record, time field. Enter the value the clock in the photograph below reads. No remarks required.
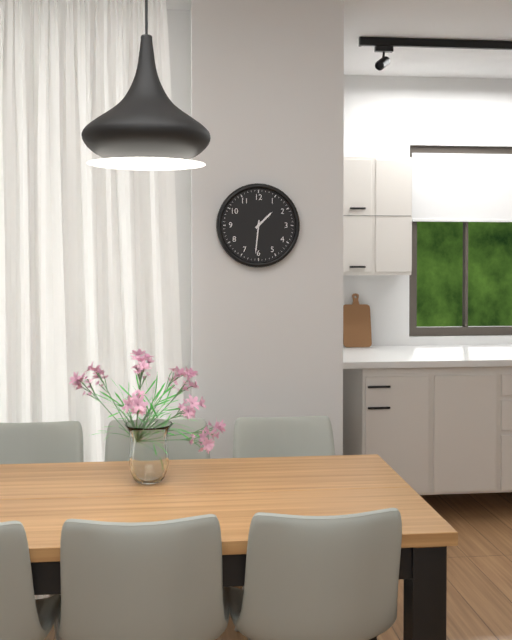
1:31
